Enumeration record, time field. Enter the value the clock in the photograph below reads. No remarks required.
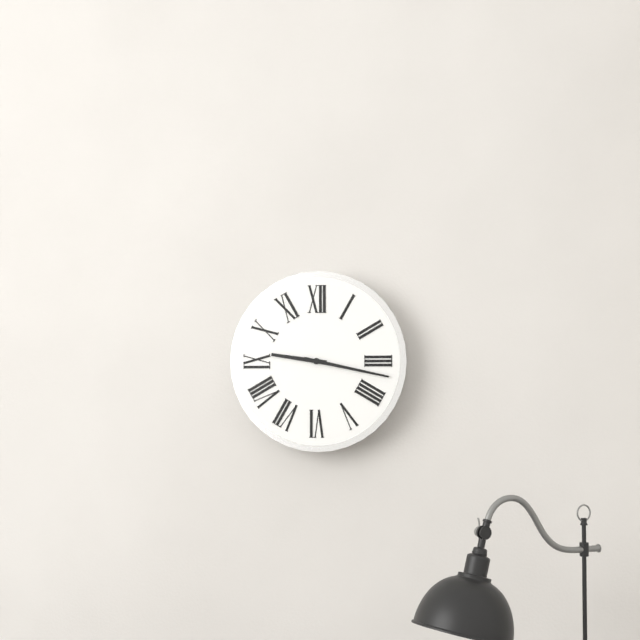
9:17
